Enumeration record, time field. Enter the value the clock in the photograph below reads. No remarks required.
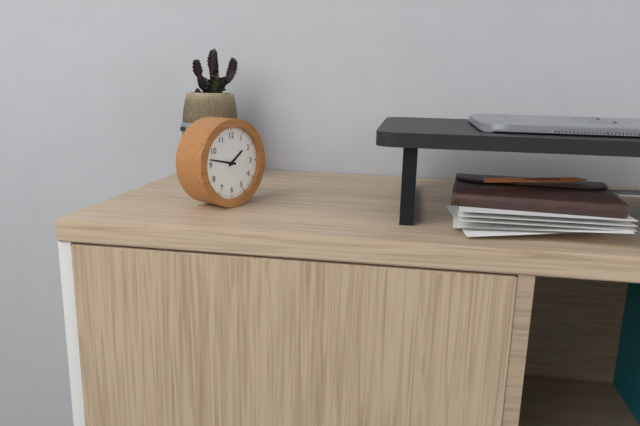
1:47
